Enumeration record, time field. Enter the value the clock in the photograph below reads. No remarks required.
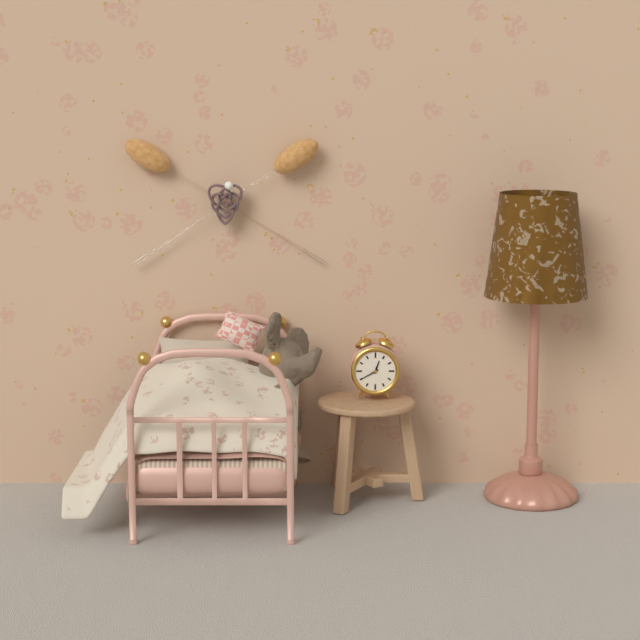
12:40
